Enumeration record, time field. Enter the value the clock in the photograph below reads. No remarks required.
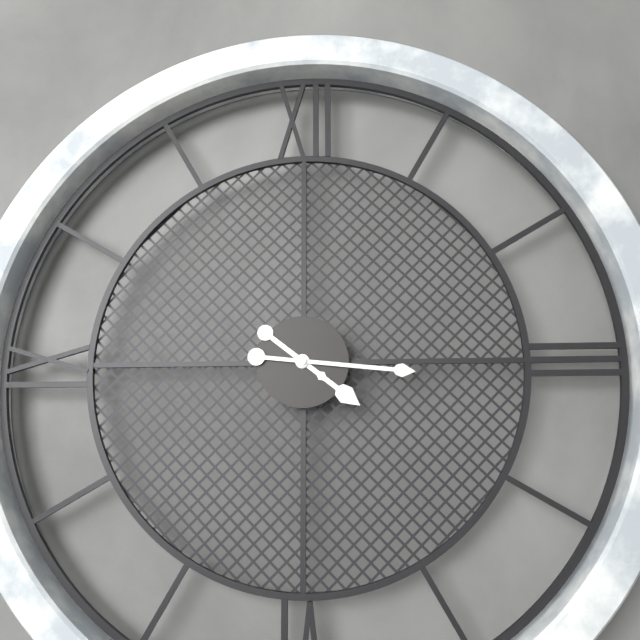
4:16
